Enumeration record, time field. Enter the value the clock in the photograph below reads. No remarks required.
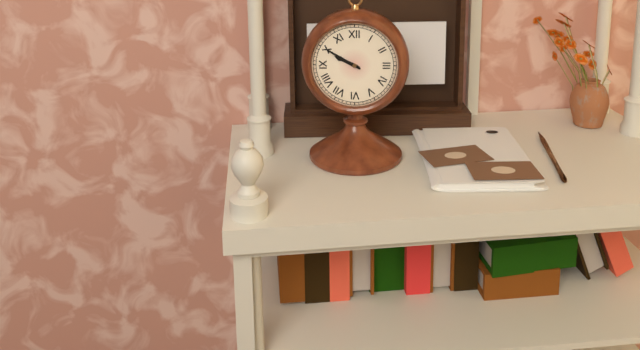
9:50
